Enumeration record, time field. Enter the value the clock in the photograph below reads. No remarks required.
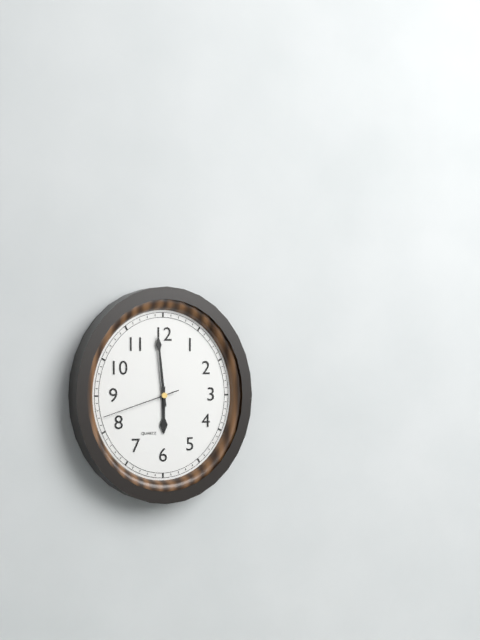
5:59:42
